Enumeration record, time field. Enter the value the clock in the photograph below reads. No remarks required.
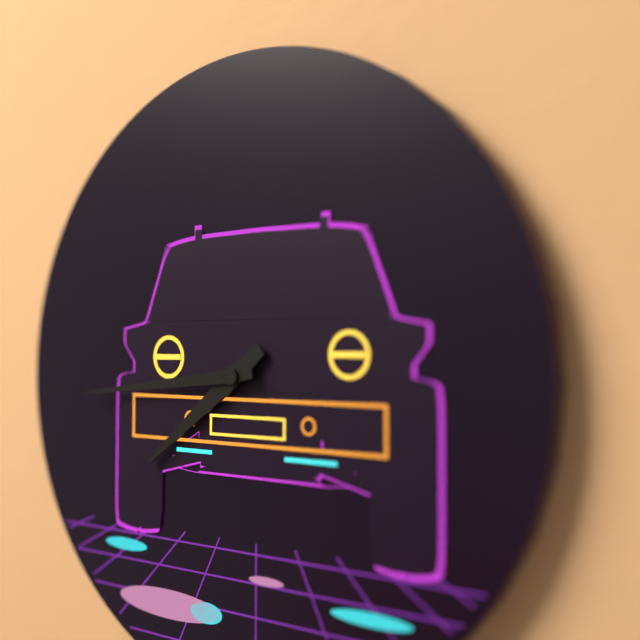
7:44
